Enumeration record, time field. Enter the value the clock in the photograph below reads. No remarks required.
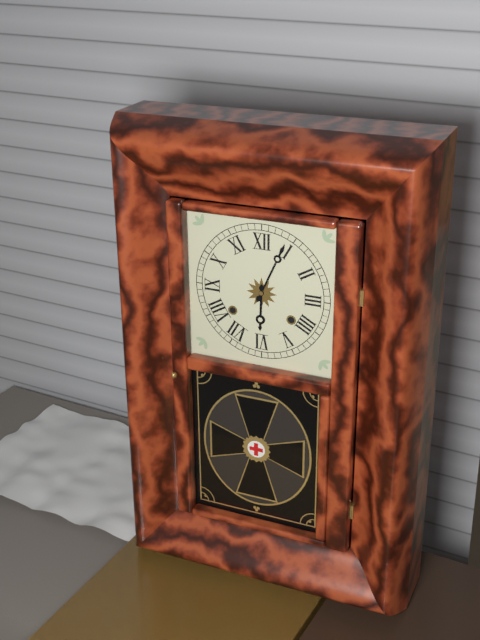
6:04
